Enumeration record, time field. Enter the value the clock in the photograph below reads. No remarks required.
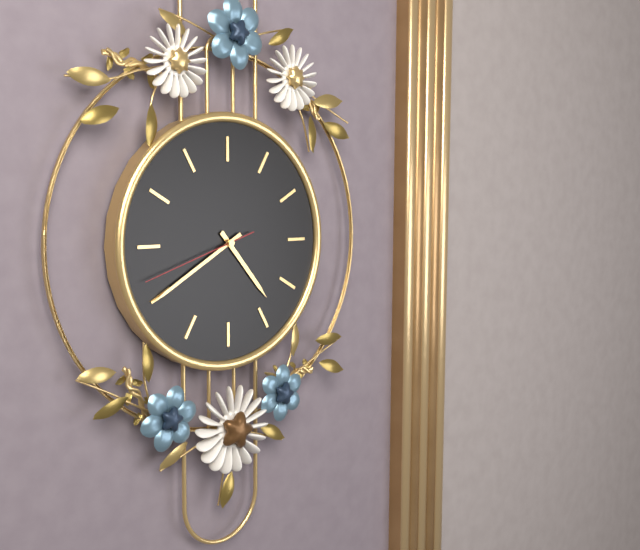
4:40:42
